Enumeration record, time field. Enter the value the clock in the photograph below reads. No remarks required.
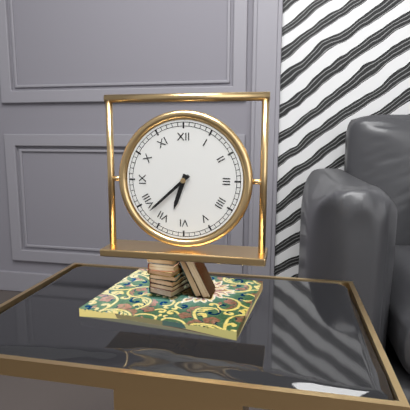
6:38
